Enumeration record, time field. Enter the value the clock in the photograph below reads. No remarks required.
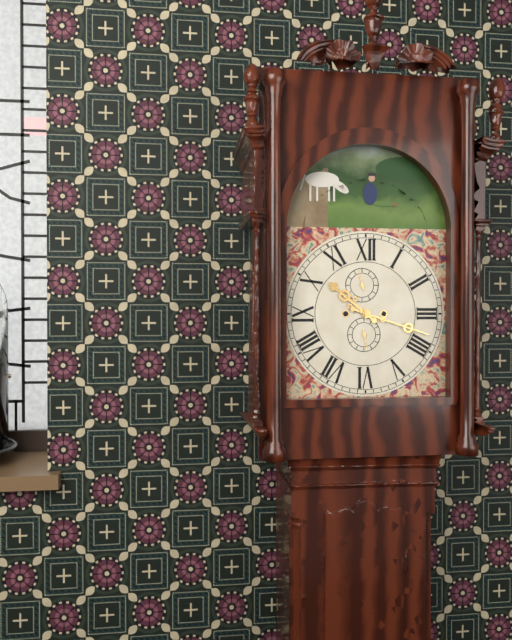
10:18
